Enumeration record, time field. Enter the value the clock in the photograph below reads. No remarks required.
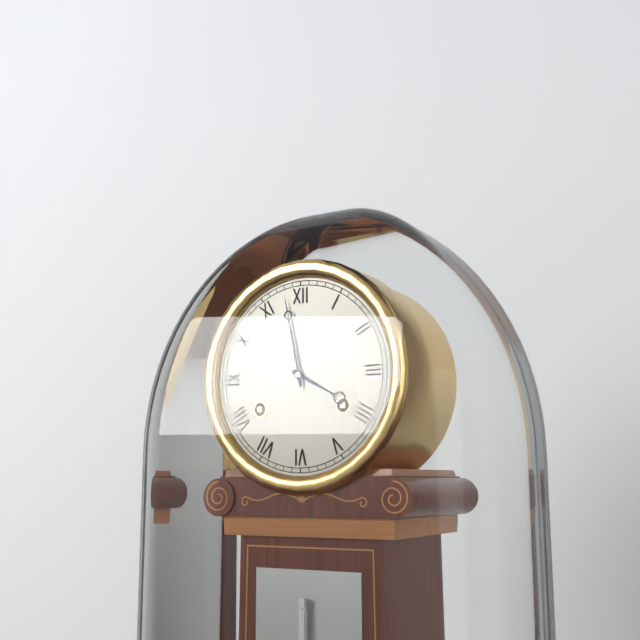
3:58
